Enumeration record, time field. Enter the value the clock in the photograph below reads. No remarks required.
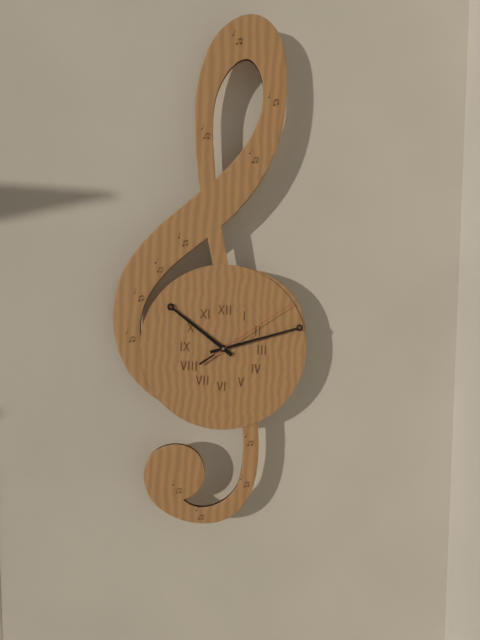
10:12:09
